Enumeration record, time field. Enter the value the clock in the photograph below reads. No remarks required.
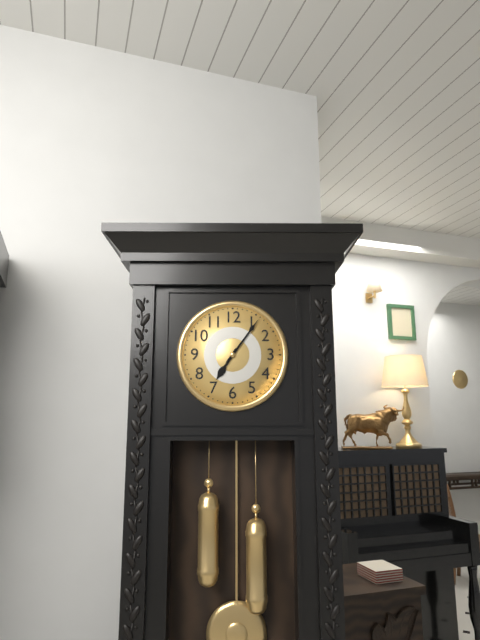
7:06
